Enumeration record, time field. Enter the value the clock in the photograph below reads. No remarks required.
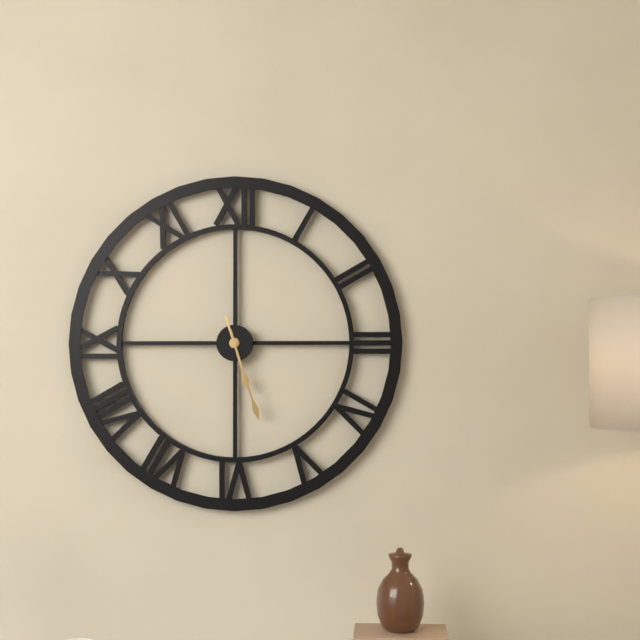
5:27
